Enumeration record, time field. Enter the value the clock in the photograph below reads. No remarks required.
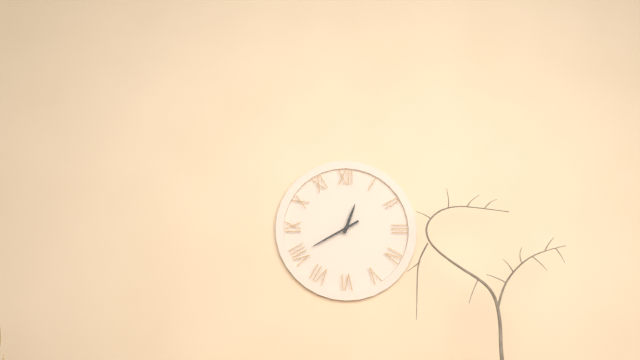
12:40
